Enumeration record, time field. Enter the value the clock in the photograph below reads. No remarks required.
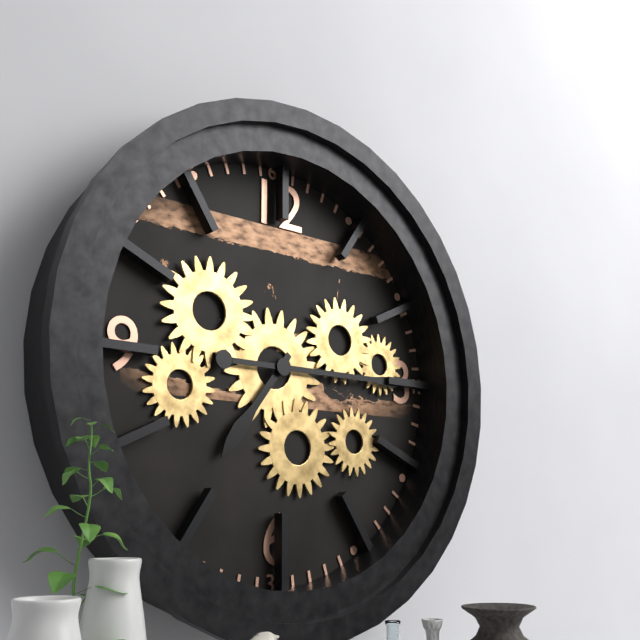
7:15
